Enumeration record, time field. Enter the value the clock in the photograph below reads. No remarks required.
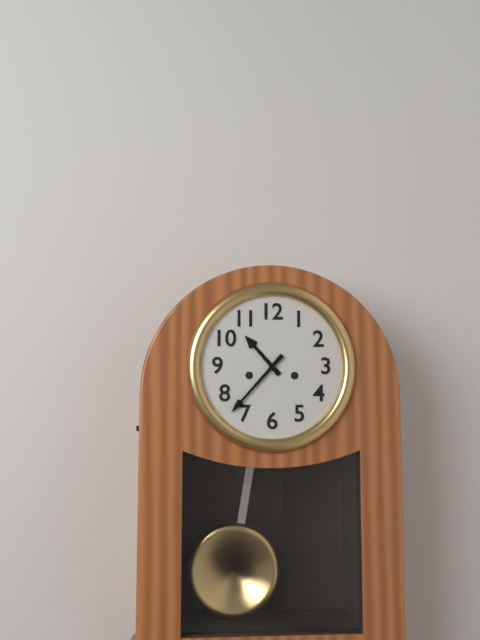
10:37
